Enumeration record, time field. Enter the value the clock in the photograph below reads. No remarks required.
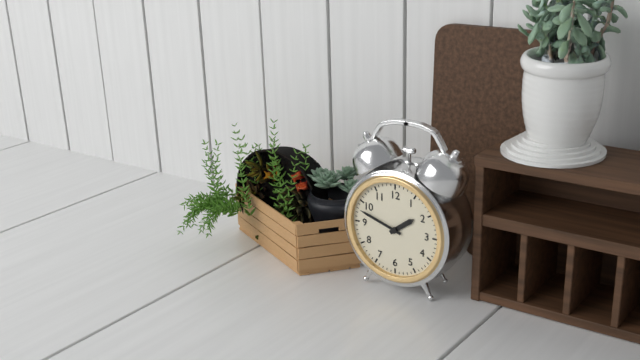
1:48
